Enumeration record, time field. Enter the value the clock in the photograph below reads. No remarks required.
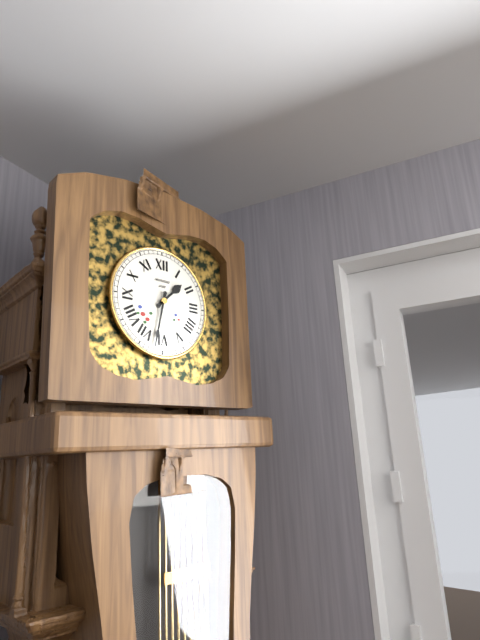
1:32
